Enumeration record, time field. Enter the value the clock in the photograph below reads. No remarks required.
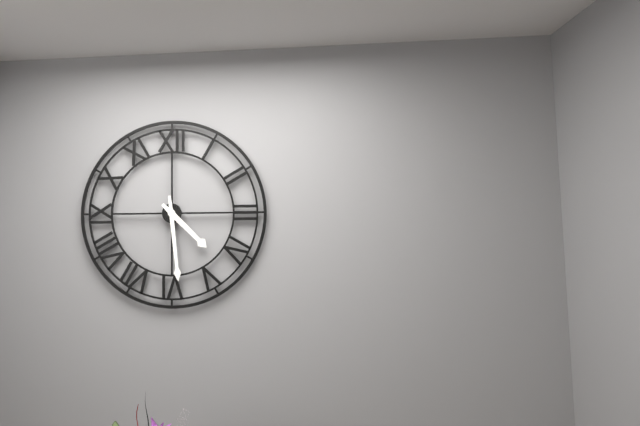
4:29
